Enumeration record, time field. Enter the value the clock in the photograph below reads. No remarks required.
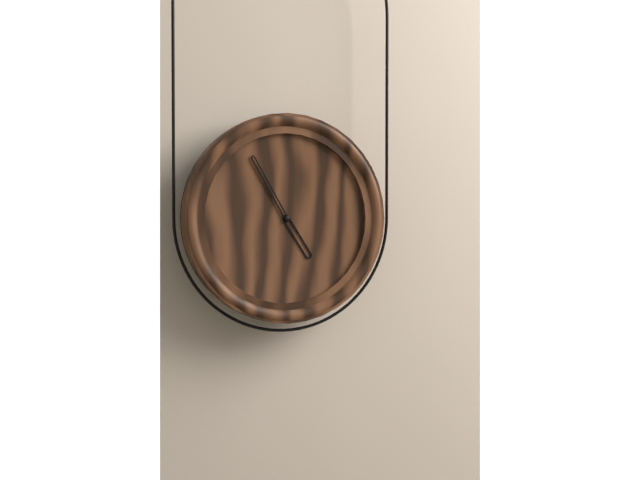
4:55
